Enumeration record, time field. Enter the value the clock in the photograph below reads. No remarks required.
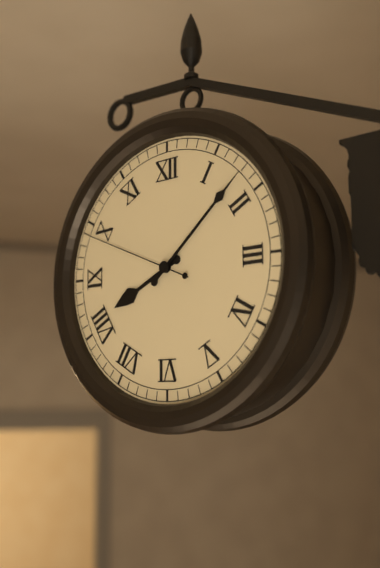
8:08:49
